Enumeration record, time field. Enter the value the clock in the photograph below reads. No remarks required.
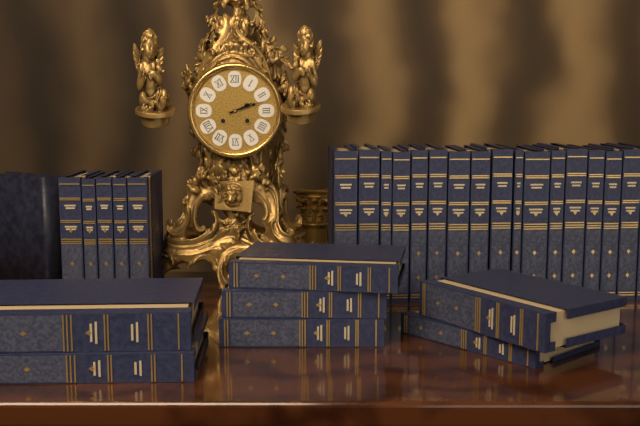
2:12
